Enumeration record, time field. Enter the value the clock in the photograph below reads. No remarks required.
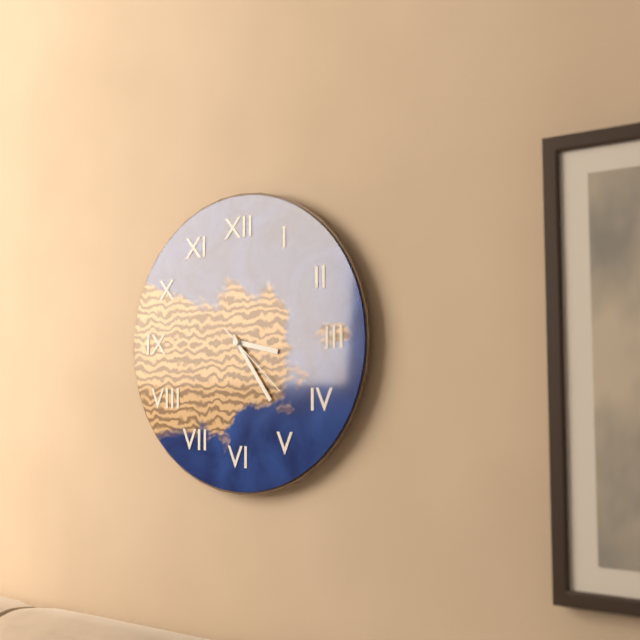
3:24:22
